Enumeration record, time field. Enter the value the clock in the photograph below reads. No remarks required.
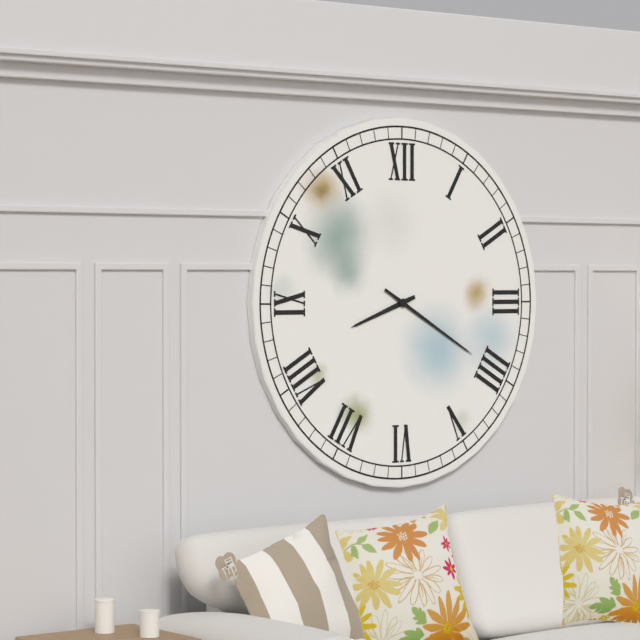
8:20
